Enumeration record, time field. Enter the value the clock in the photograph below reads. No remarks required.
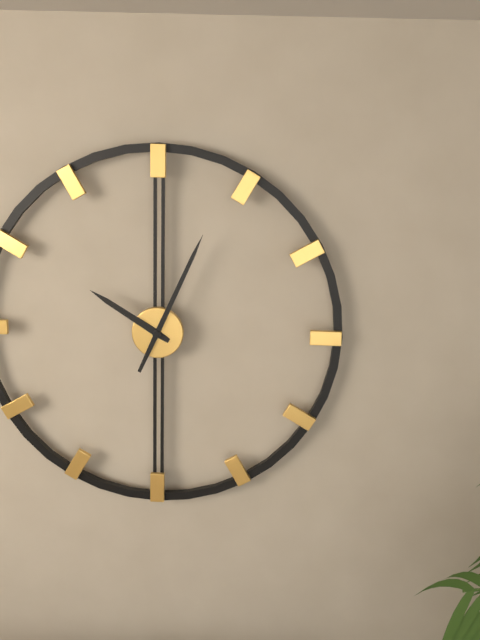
10:04
